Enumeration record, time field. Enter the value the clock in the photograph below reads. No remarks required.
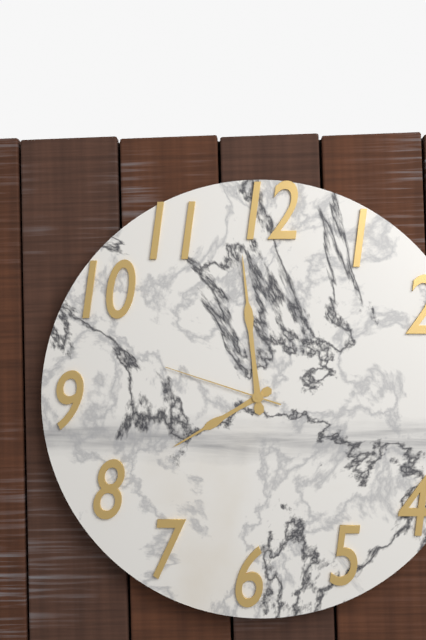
7:59:48
